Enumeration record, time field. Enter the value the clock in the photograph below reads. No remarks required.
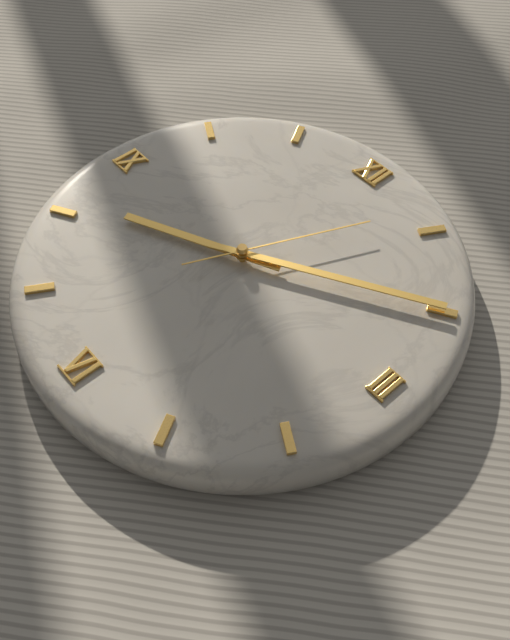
8:10:04
